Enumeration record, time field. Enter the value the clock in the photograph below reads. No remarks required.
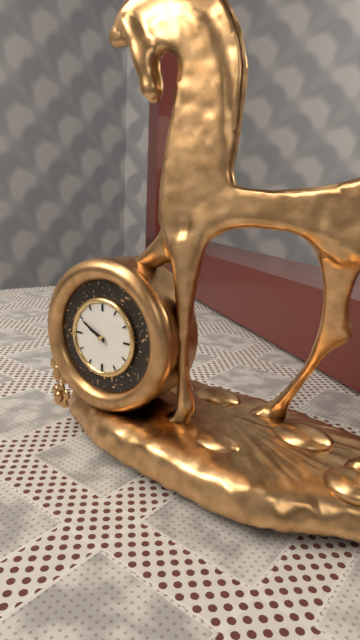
9:50
